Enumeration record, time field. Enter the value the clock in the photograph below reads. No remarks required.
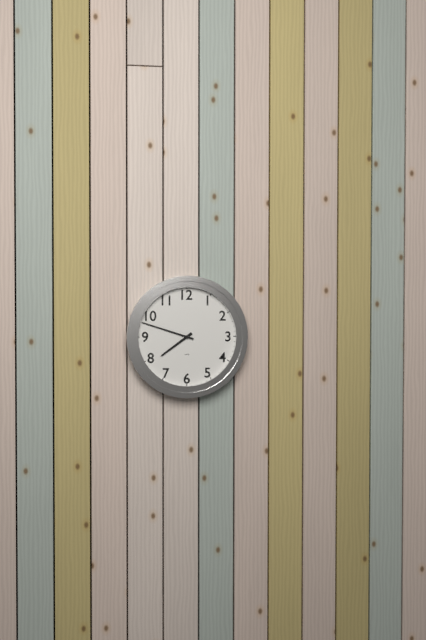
7:48
